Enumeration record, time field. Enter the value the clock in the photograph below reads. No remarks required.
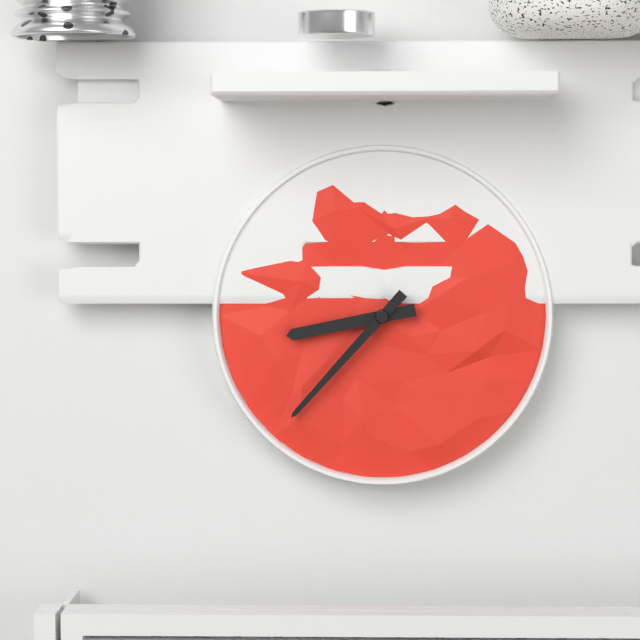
8:37
